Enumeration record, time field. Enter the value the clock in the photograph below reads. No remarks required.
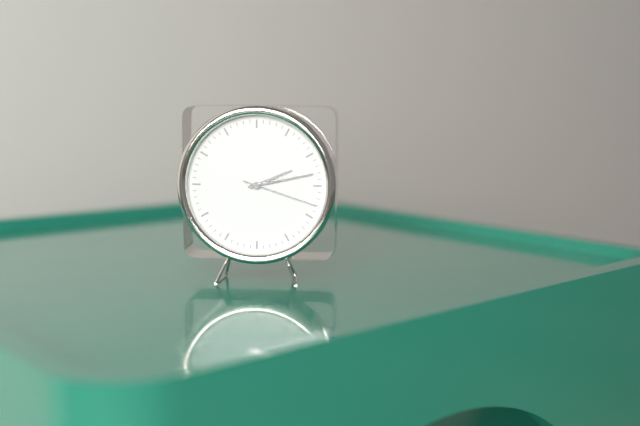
2:13:18
